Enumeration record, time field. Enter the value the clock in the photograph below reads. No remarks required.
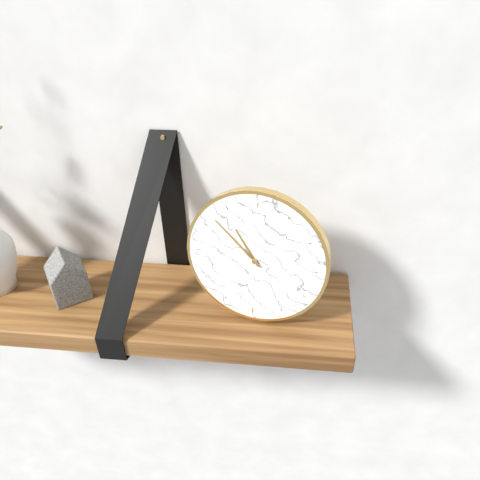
10:52
